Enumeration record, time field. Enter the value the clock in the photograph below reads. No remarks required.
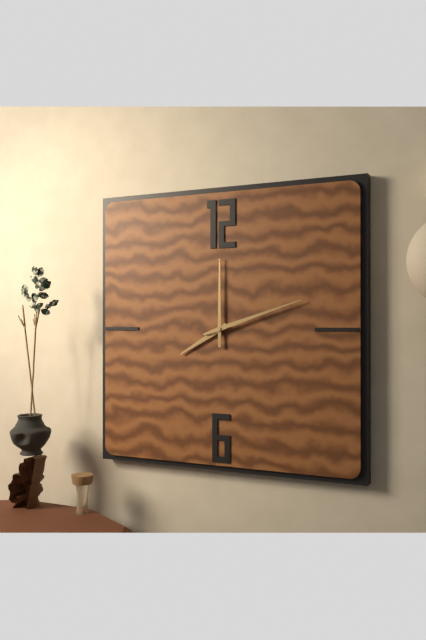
8:00:12
